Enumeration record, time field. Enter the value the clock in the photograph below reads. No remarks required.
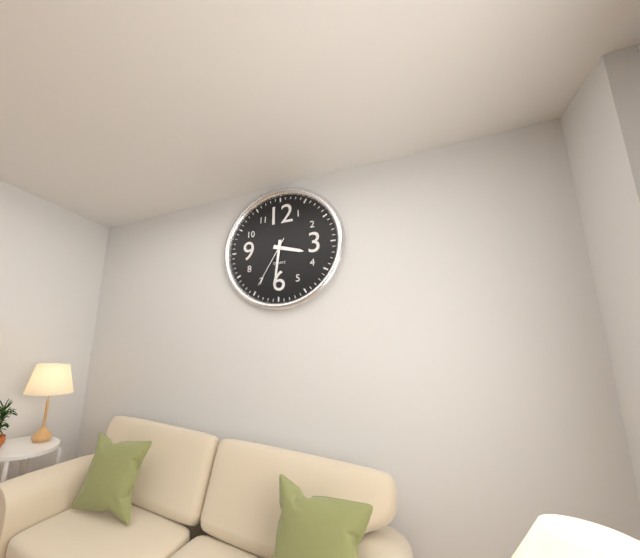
3:31:35
